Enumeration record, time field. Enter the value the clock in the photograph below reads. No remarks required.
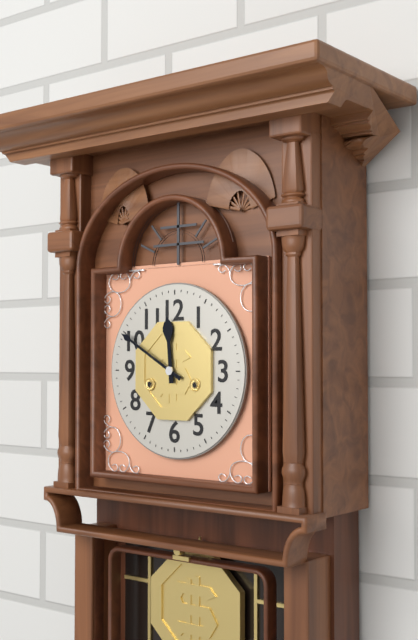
11:50
